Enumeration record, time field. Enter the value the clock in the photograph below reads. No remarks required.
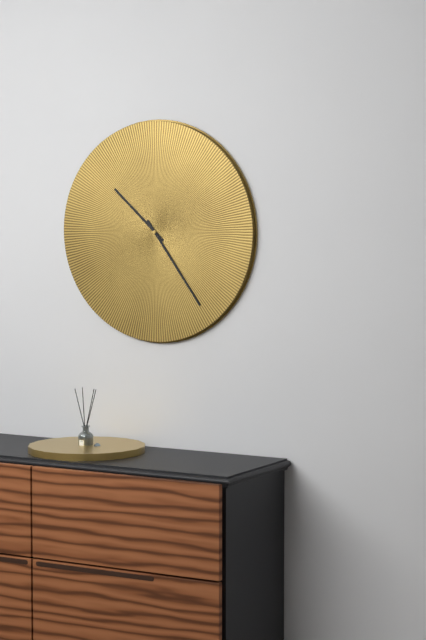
10:24
